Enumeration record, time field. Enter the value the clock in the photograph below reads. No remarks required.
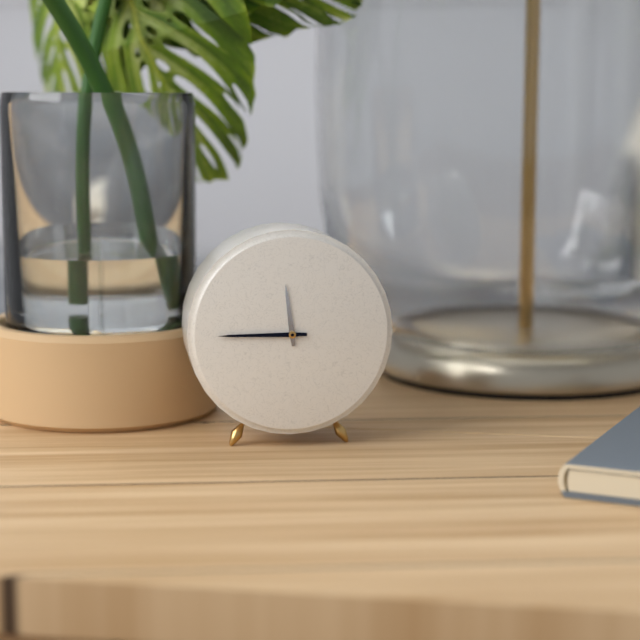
11:45
